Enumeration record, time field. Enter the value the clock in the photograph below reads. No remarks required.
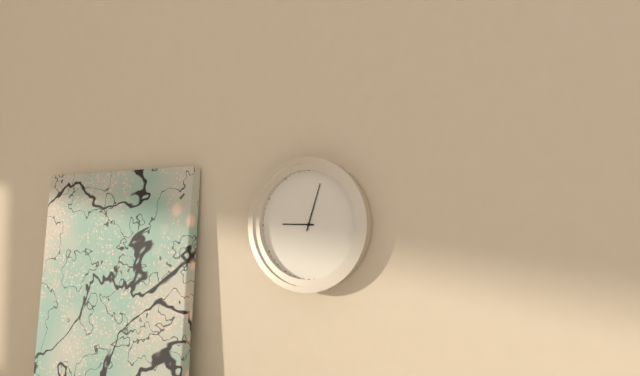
9:03
